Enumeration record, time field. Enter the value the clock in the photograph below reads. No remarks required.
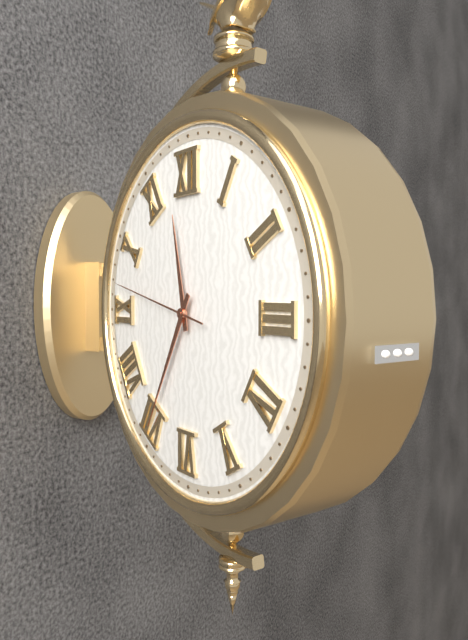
11:35:47
